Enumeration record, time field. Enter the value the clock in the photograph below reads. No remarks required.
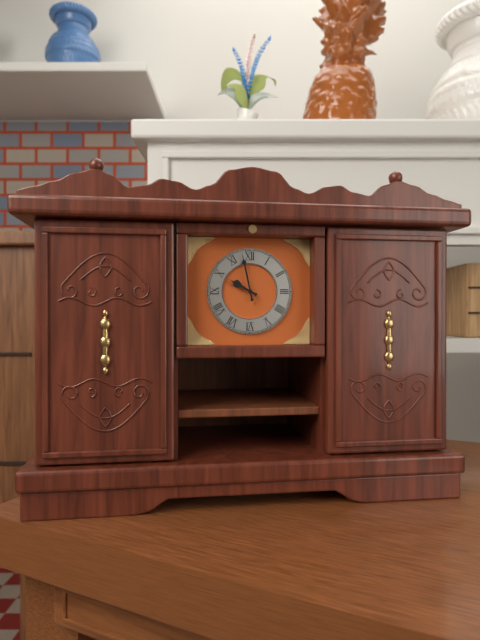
9:58
